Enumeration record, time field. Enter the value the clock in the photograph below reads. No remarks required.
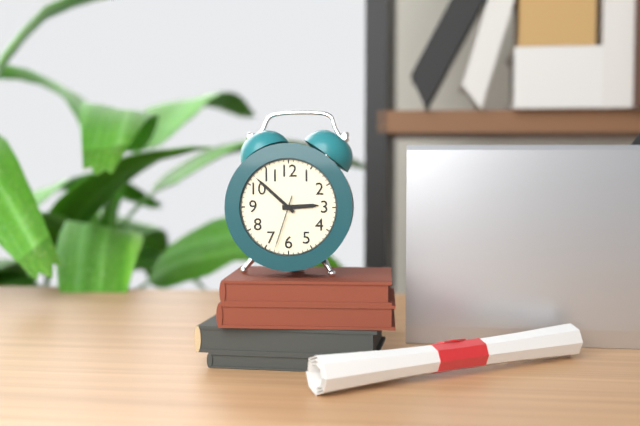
2:52:33
